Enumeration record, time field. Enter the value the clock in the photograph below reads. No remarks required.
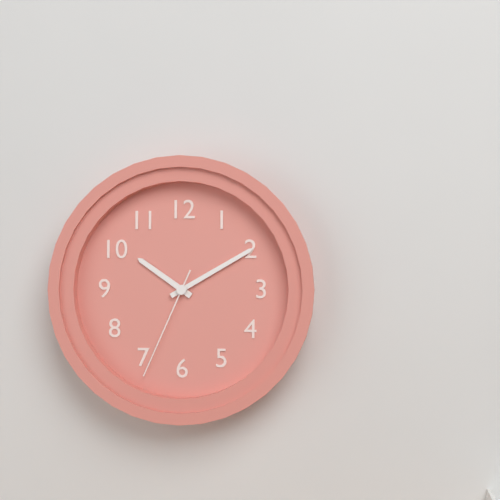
10:10:34
